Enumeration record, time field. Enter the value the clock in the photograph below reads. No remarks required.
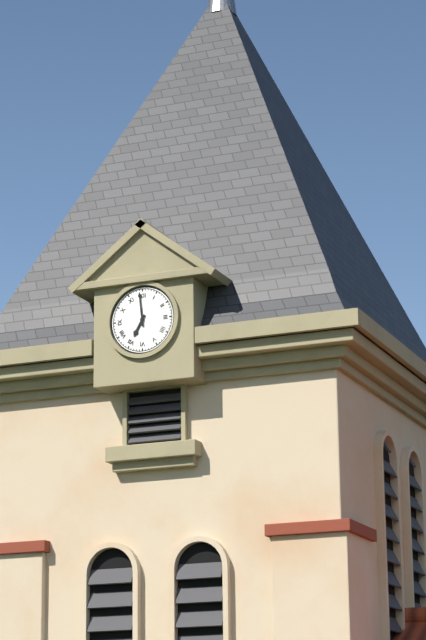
6:59
